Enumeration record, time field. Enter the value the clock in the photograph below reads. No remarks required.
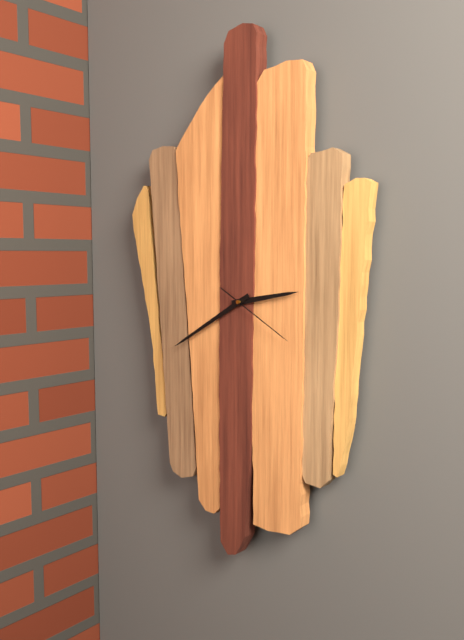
2:40:20
